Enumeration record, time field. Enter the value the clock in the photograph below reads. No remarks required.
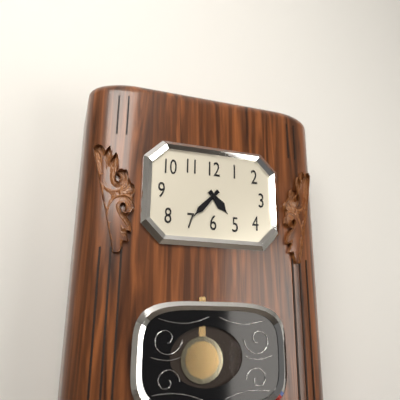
4:37
